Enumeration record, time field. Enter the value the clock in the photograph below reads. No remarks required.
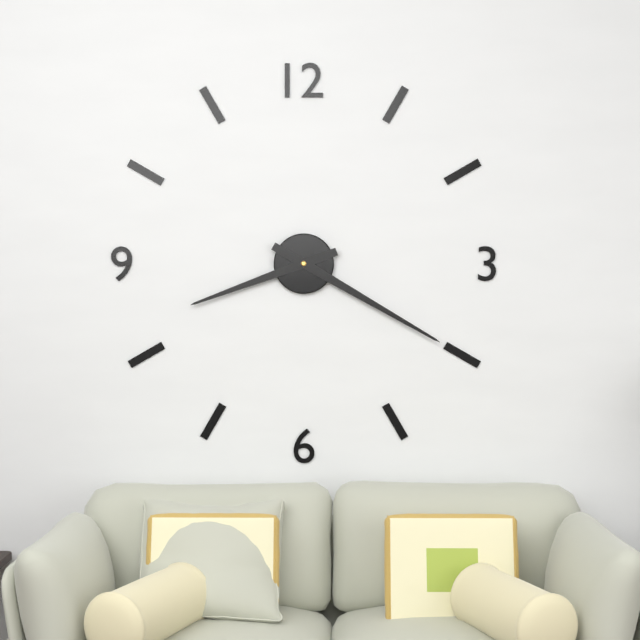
8:20
